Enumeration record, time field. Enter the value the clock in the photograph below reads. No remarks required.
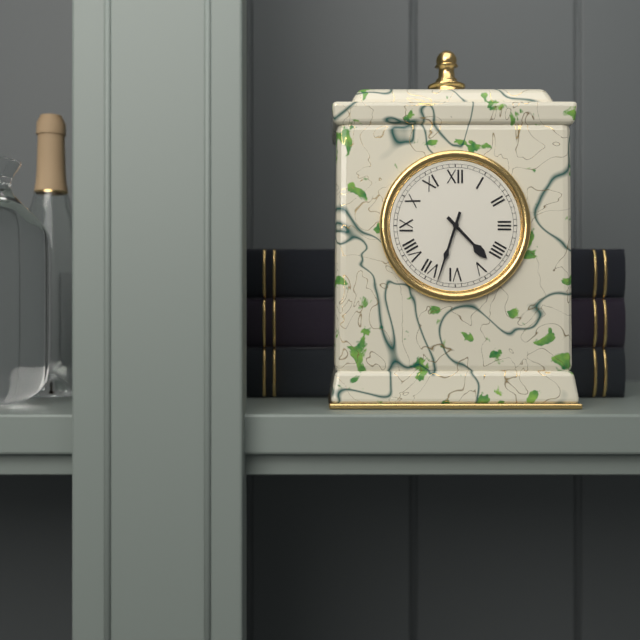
4:33
